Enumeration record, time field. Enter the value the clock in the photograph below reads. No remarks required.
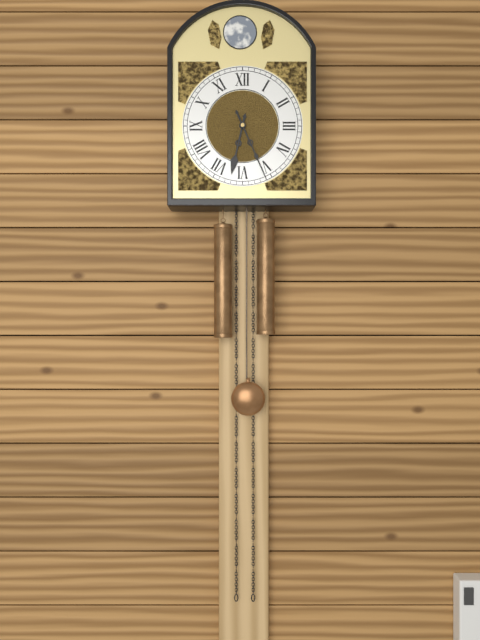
6:26
